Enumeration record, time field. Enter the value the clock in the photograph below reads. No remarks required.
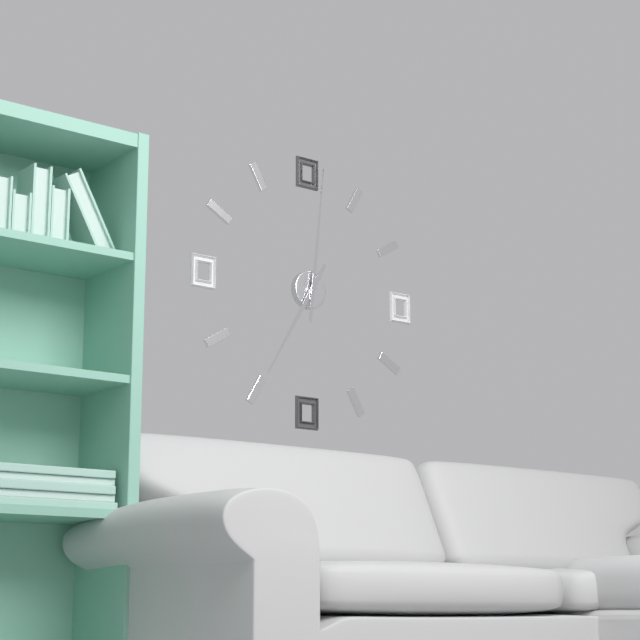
7:01
